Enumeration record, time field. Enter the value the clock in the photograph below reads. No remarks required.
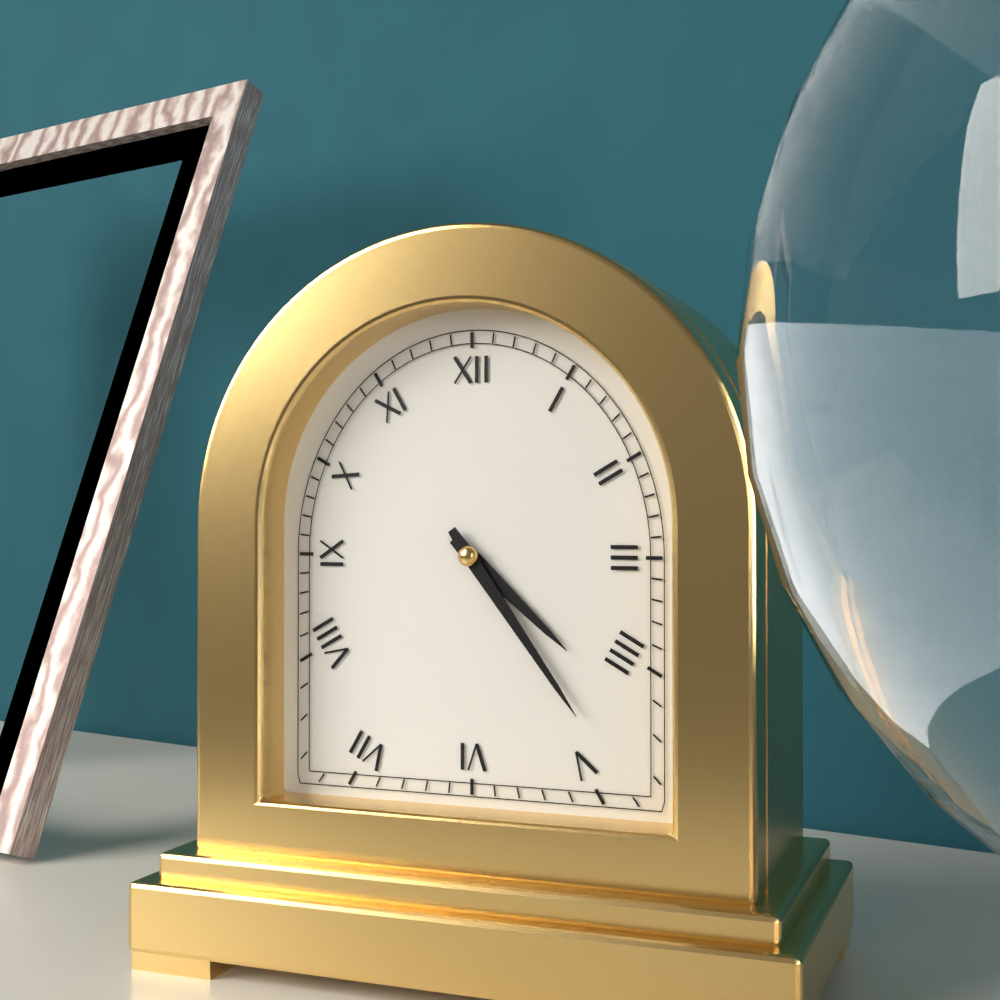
4:24
